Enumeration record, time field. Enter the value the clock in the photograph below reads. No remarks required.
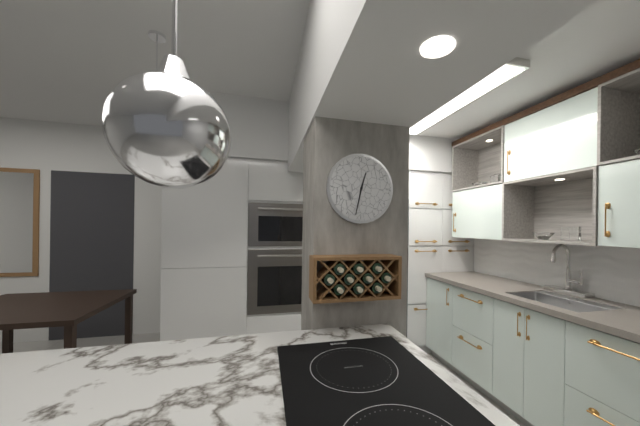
12:32
